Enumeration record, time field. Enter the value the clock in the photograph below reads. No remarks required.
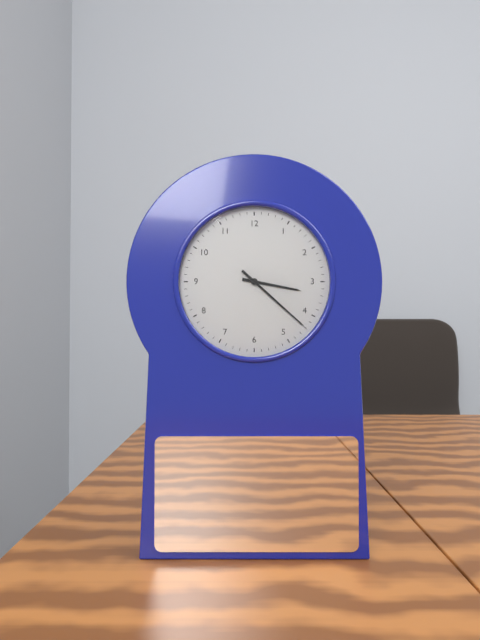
3:22
